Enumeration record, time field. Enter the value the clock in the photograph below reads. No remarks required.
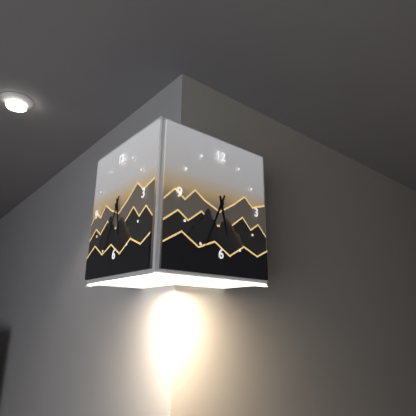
5:34
